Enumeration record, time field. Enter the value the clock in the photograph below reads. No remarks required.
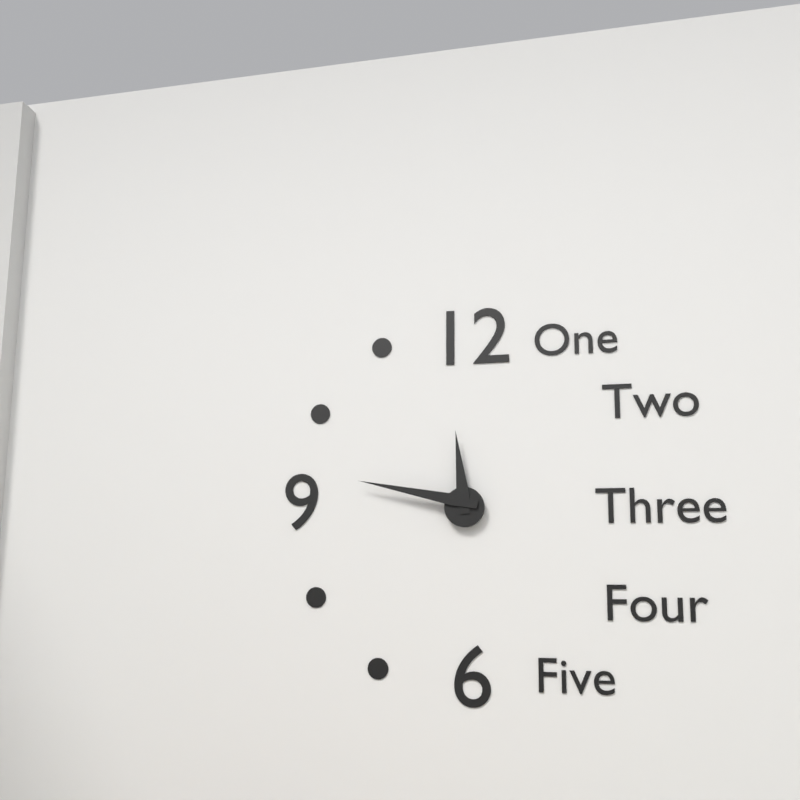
11:47
